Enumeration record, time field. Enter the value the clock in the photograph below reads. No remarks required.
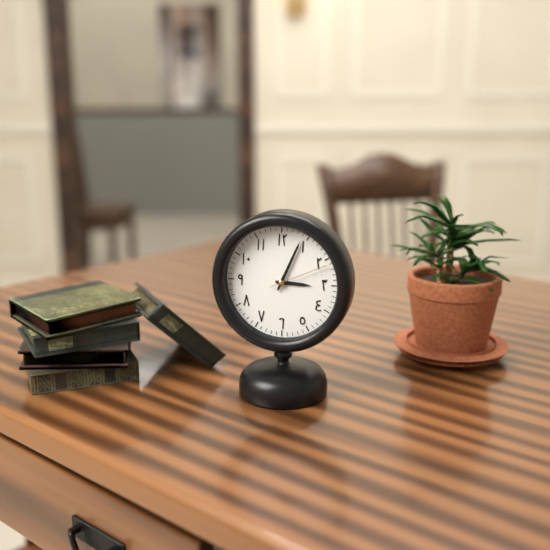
3:04:11
